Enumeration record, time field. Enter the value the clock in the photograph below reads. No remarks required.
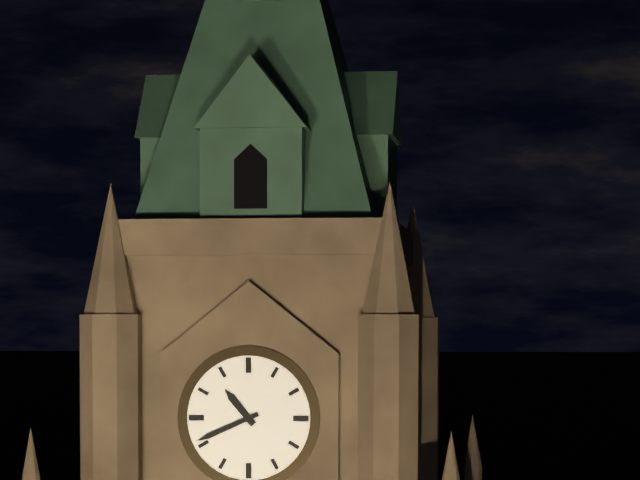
10:41
